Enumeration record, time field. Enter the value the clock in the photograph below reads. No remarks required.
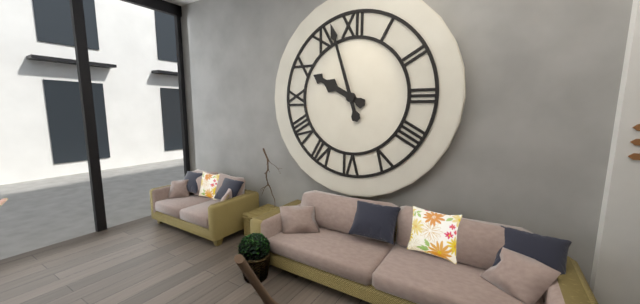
9:57
